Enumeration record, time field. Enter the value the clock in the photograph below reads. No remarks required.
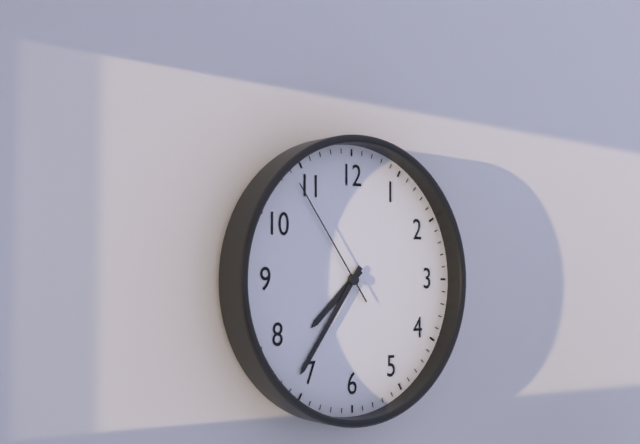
7:36:54
